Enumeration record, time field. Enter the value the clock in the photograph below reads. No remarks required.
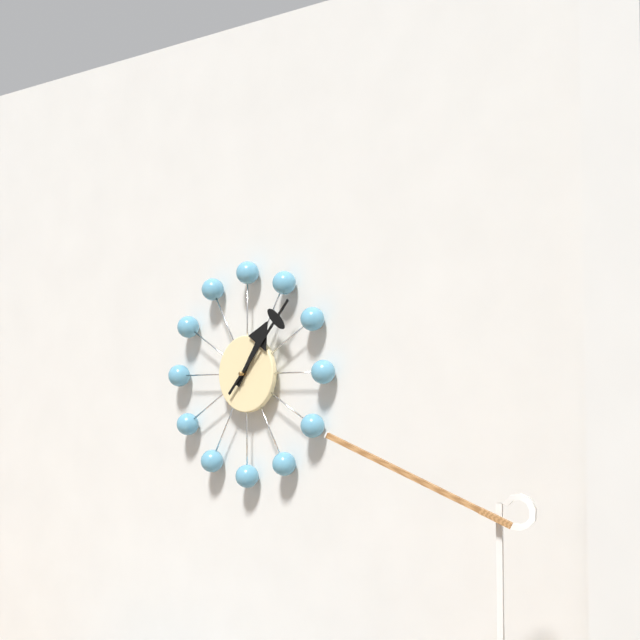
1:07
